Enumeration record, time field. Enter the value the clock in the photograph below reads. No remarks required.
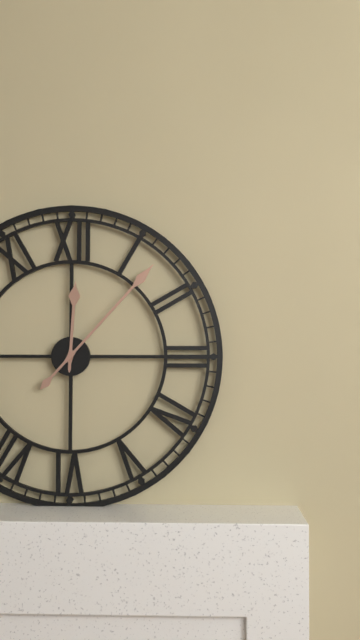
12:07
